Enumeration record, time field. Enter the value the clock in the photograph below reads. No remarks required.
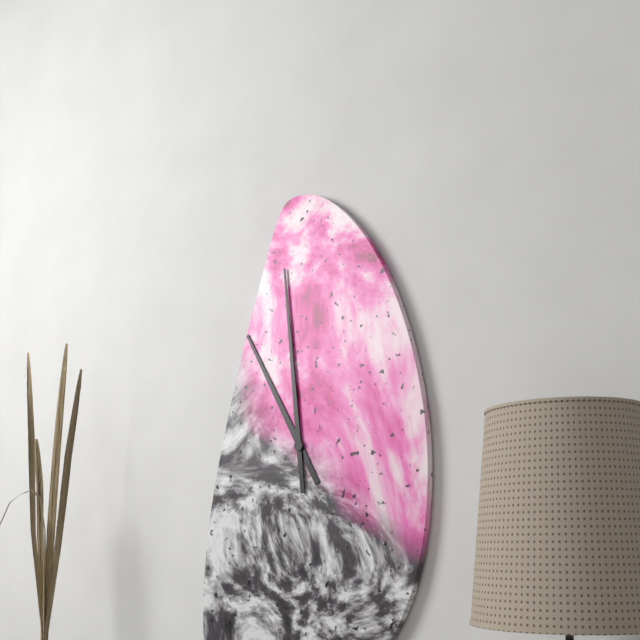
10:59
